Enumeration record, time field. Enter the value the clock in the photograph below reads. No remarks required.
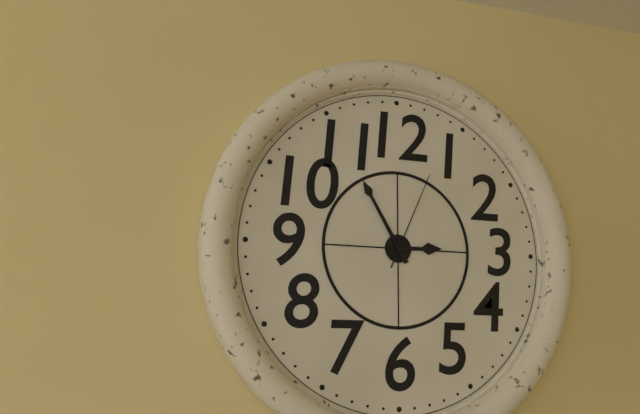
2:55:04
